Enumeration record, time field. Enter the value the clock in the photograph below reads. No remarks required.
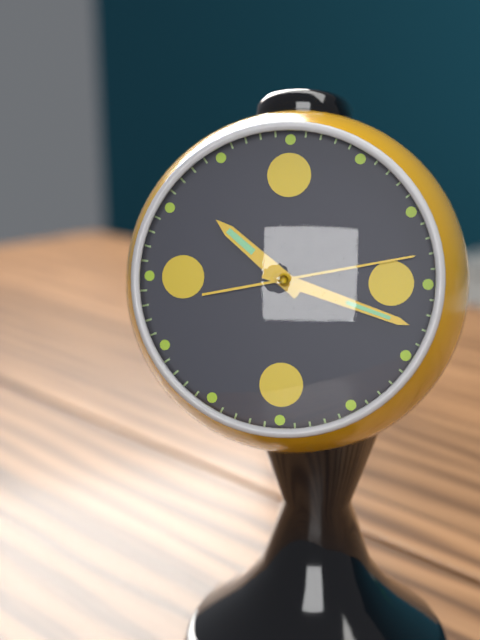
10:18:13
